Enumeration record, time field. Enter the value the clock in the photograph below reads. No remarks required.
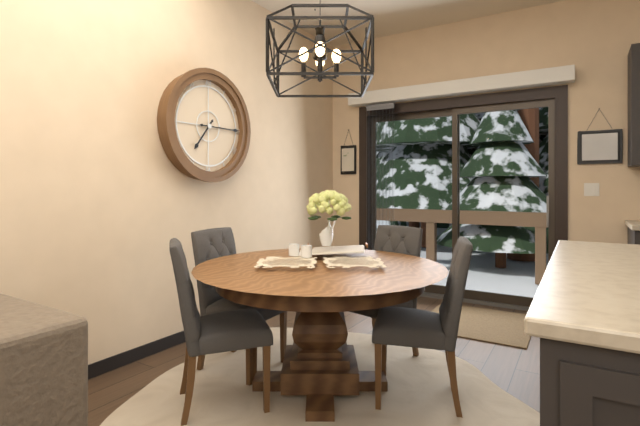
7:15
